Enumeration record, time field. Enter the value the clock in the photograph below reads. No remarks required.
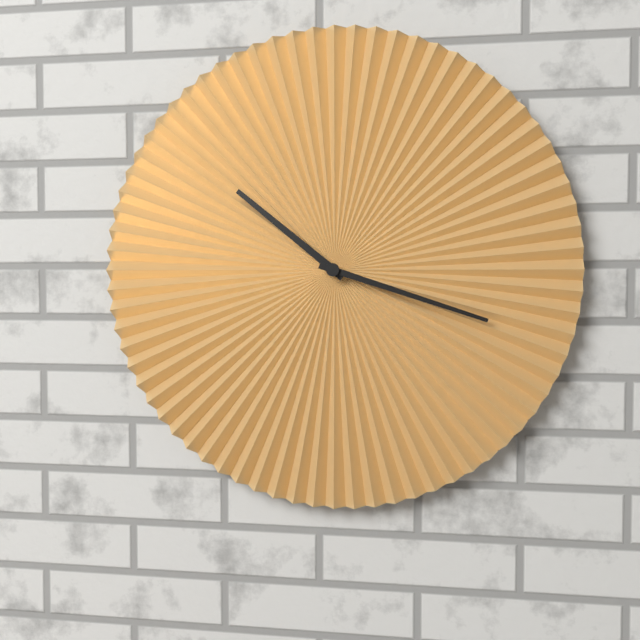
10:18
